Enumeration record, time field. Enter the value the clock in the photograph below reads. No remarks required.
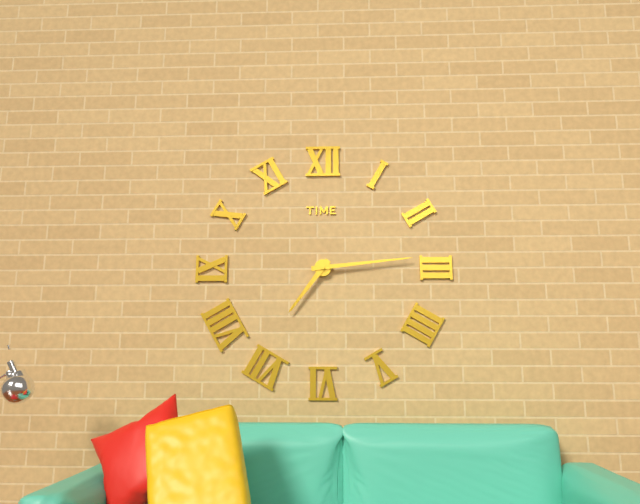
7:14
